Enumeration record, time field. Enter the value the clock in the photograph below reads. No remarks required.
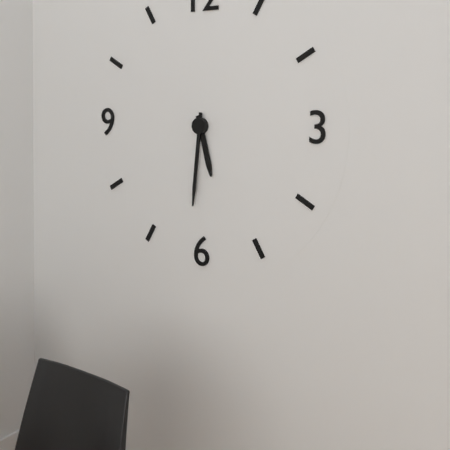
5:31
